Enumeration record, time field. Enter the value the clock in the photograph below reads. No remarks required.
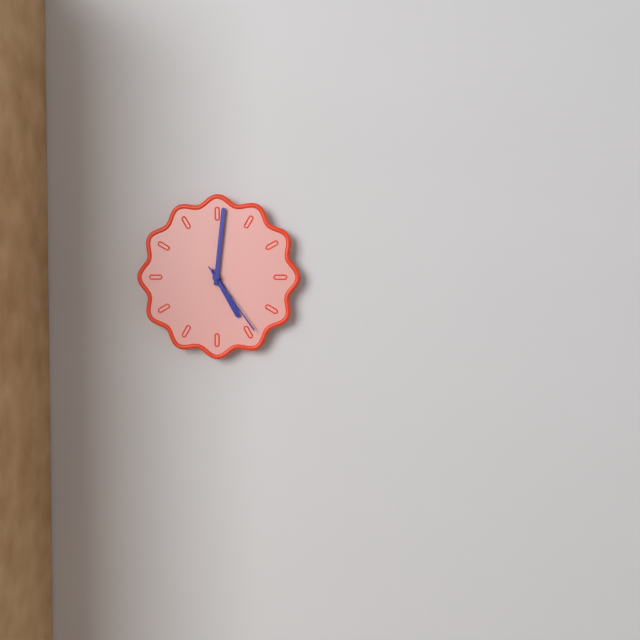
5:01:24
